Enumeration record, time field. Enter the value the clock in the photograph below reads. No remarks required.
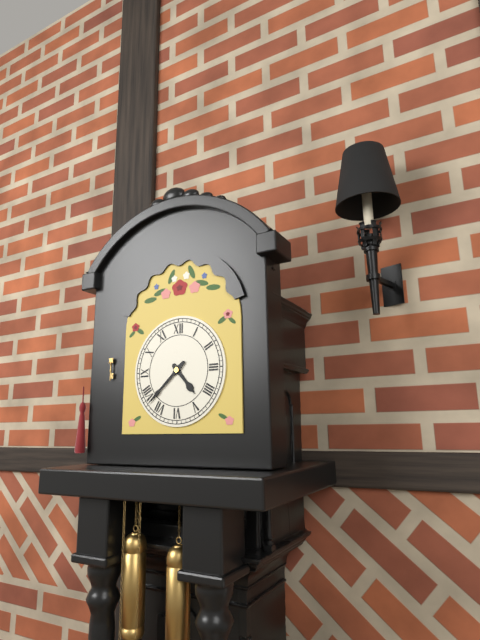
4:38
